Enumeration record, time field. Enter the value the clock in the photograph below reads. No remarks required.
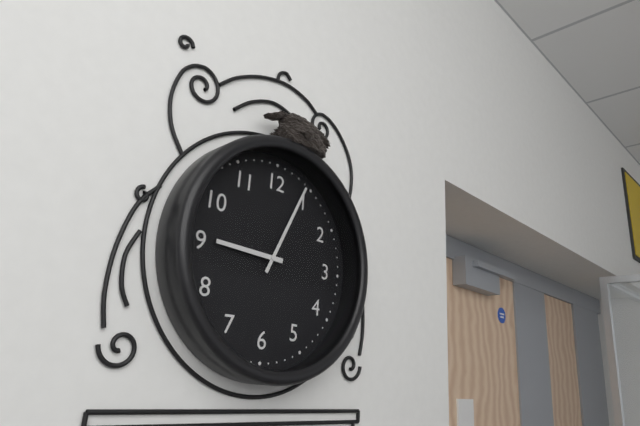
9:04
